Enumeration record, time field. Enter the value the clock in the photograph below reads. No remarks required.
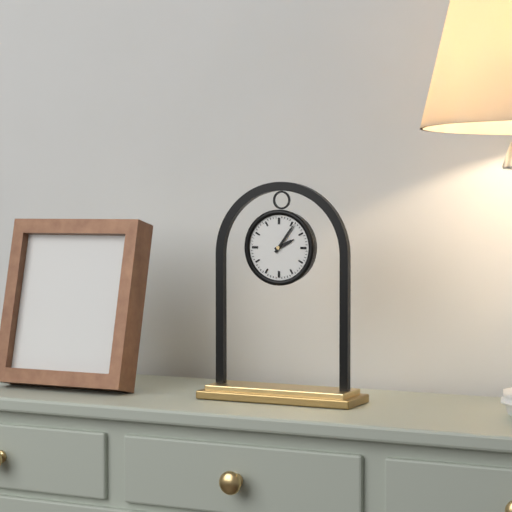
2:06
